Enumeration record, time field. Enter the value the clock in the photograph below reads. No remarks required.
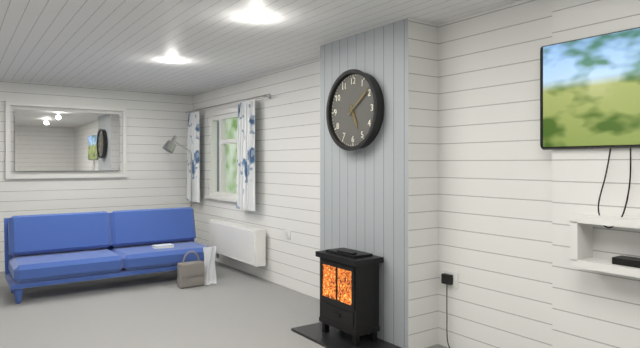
5:09
